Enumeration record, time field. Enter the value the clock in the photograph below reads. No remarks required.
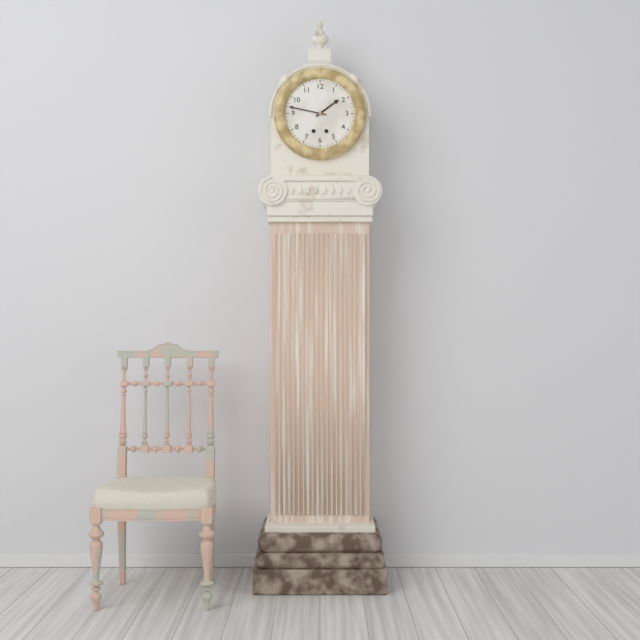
1:47
